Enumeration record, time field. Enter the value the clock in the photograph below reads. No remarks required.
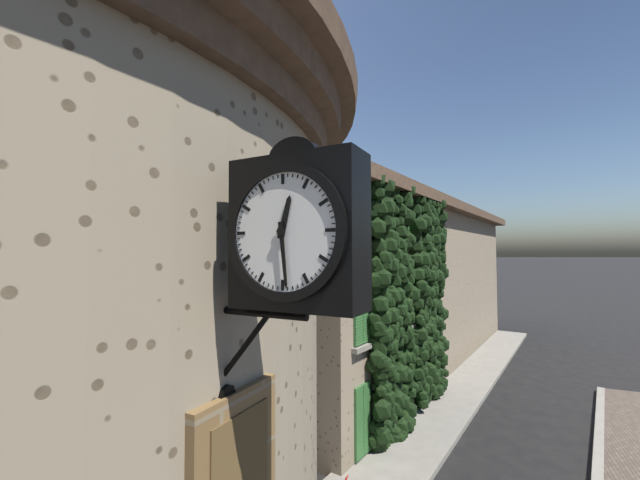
12:29
